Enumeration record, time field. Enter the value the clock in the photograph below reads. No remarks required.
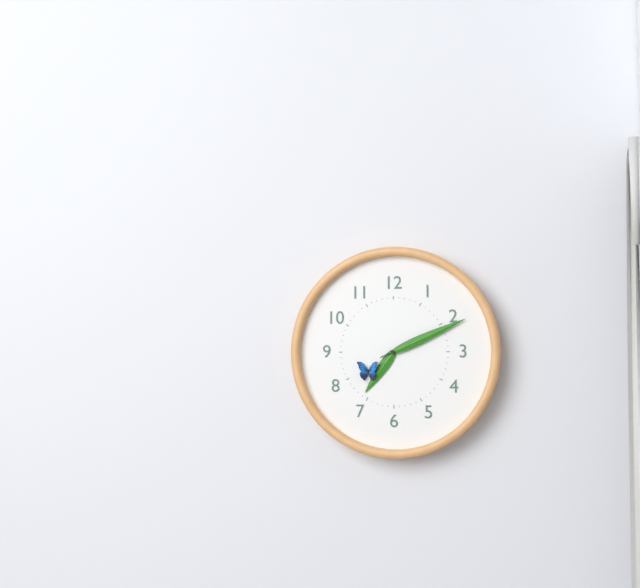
7:11
